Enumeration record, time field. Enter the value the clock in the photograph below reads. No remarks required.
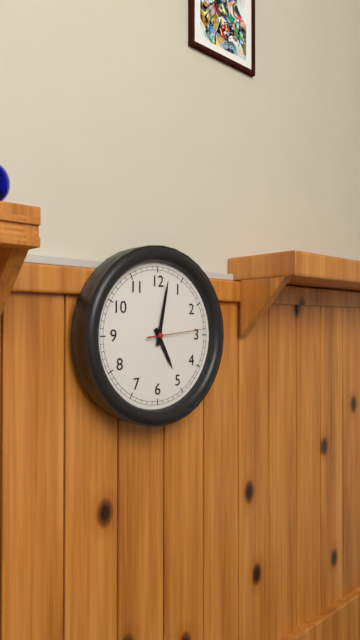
5:02:14
